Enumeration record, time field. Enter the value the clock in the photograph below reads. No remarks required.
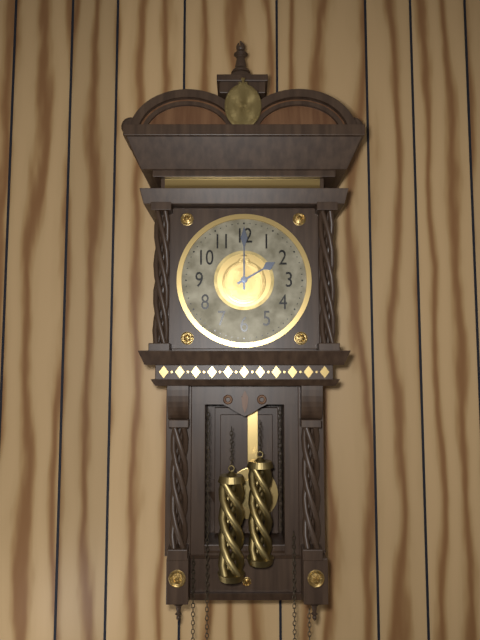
2:00
